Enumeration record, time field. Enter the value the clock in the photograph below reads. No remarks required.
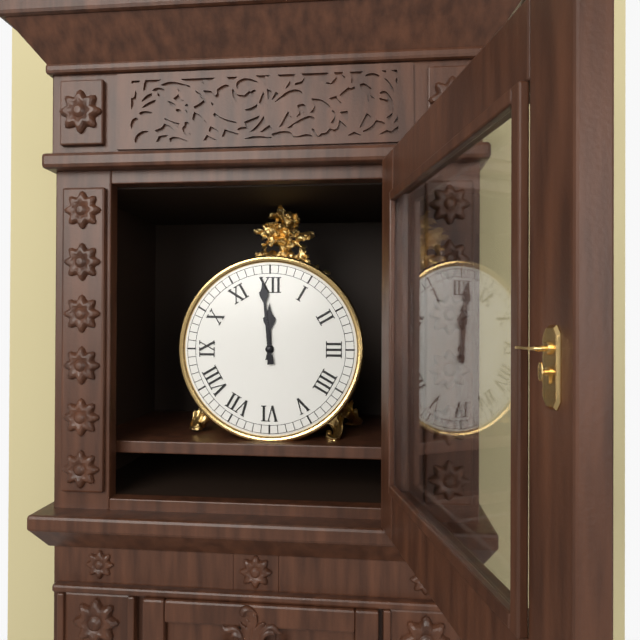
11:59
